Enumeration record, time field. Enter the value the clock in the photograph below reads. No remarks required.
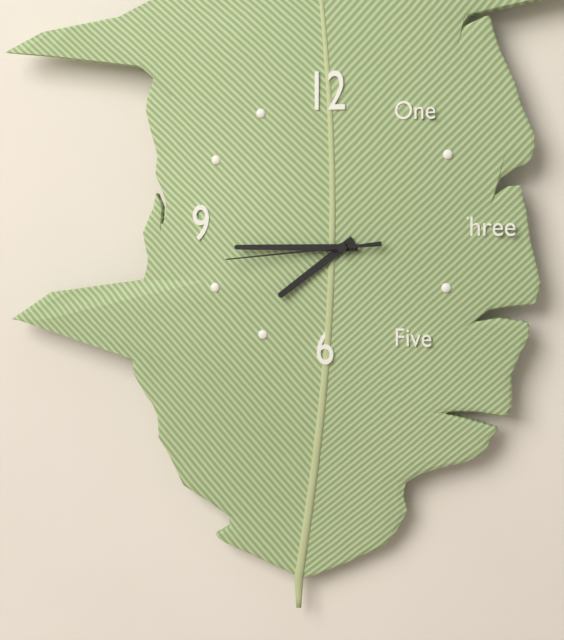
7:45:44
